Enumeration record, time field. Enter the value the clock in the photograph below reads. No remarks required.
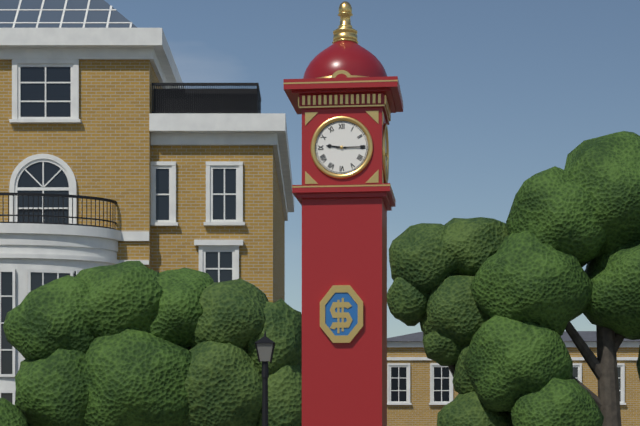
9:15
